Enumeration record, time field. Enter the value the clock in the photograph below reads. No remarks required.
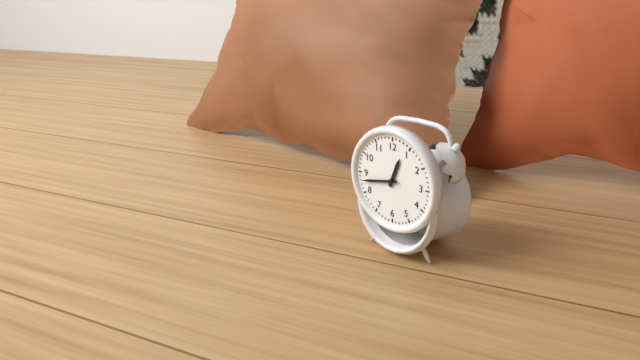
12:43
